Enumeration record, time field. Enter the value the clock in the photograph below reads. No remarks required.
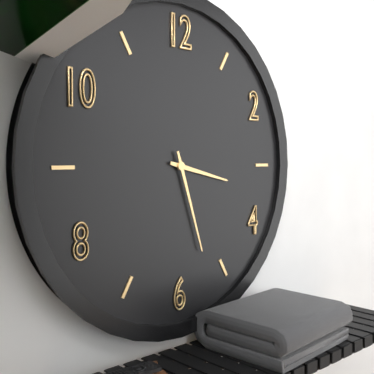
3:27
